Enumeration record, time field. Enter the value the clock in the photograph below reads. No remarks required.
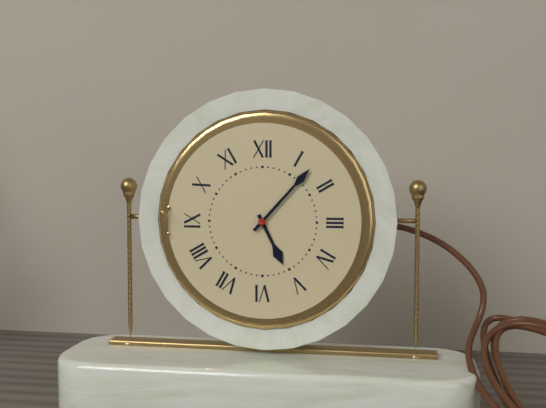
5:07
